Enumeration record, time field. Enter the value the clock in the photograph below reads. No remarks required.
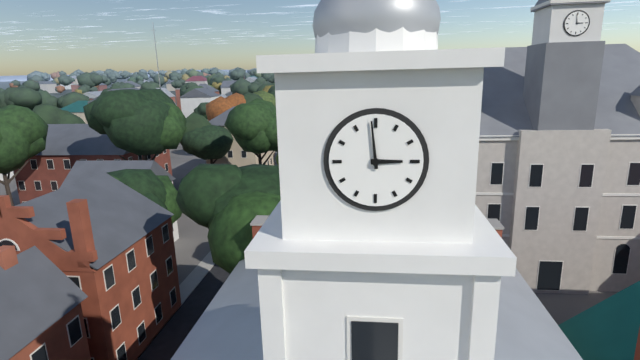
2:59
